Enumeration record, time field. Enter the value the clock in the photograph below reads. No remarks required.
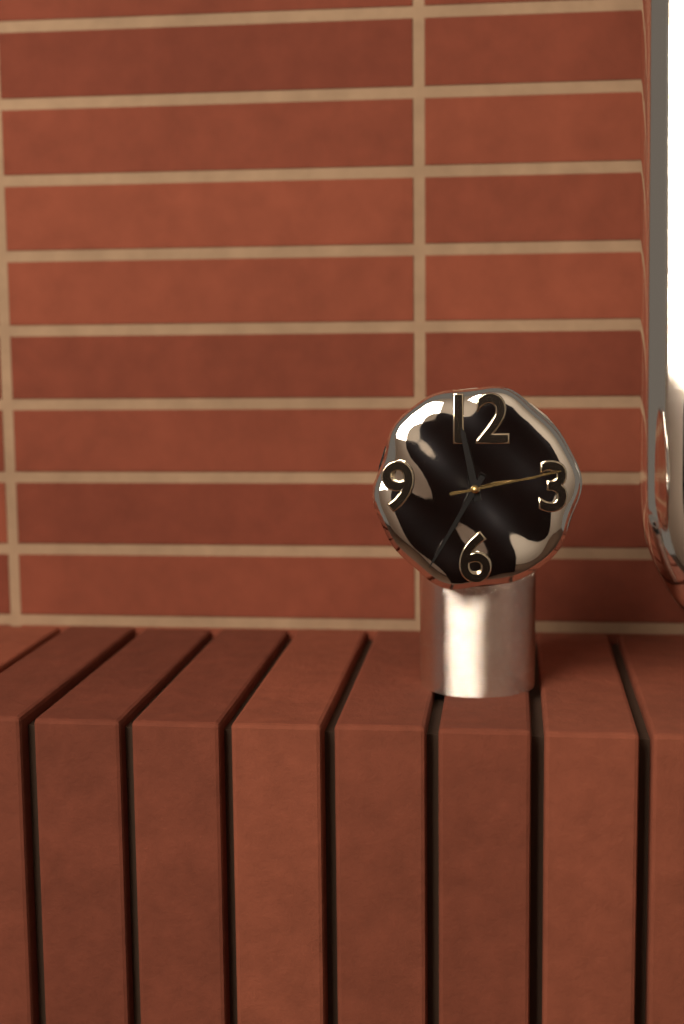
11:35:13
